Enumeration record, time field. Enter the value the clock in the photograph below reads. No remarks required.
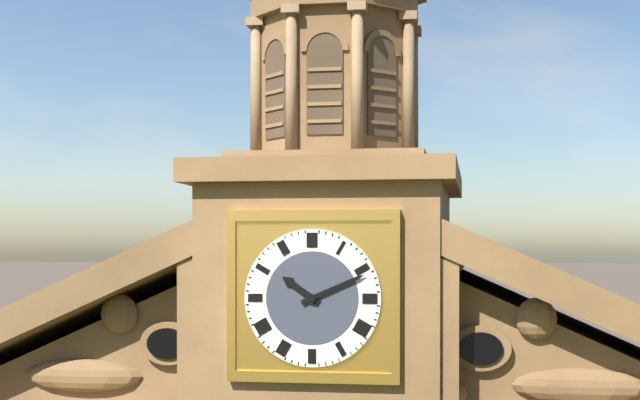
10:11
